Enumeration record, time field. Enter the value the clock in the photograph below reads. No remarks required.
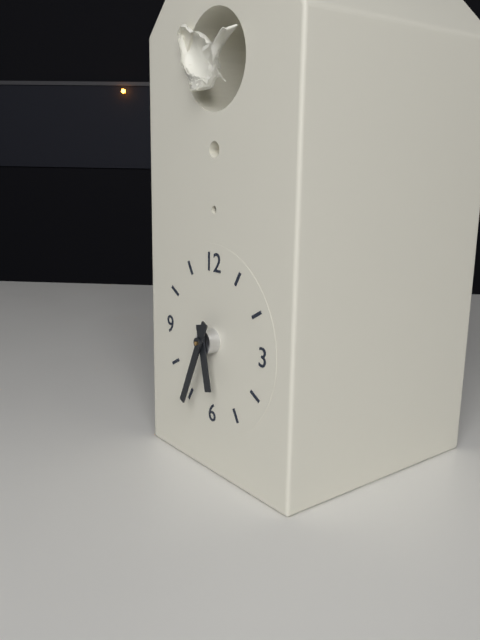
5:34
